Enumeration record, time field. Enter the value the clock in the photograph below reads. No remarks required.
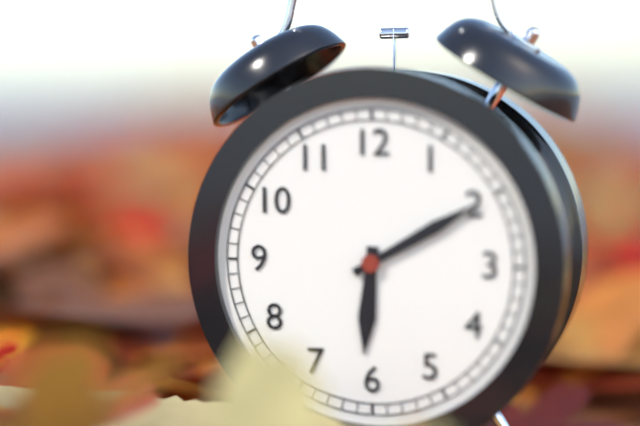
6:10
